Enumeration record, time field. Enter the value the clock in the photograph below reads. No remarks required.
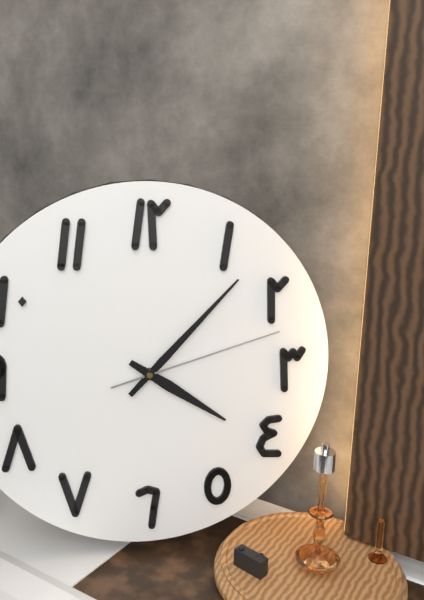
4:07:12
